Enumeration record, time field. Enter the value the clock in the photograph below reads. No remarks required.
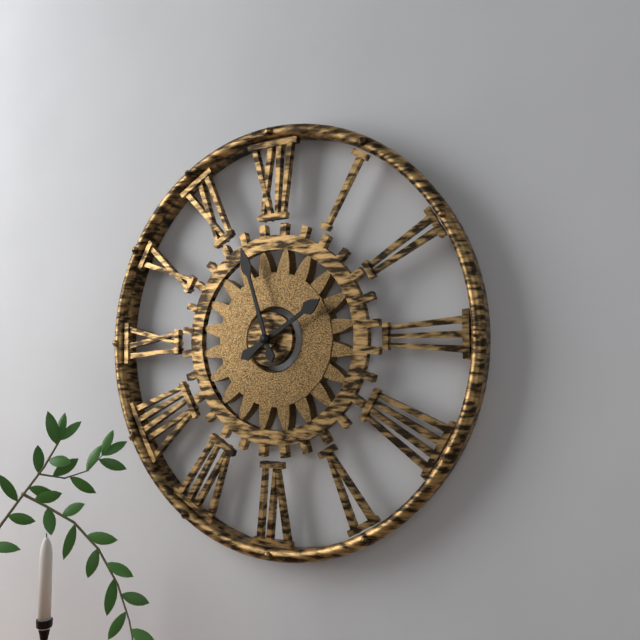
1:57
